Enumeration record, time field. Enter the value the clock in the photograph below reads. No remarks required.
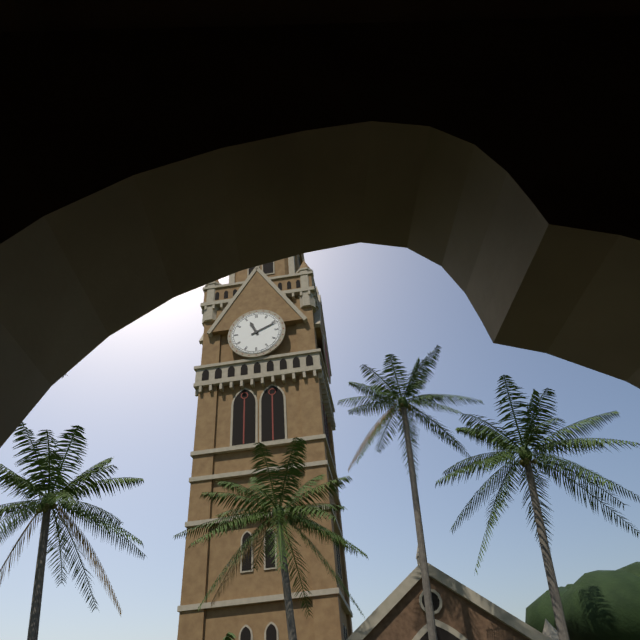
11:11
